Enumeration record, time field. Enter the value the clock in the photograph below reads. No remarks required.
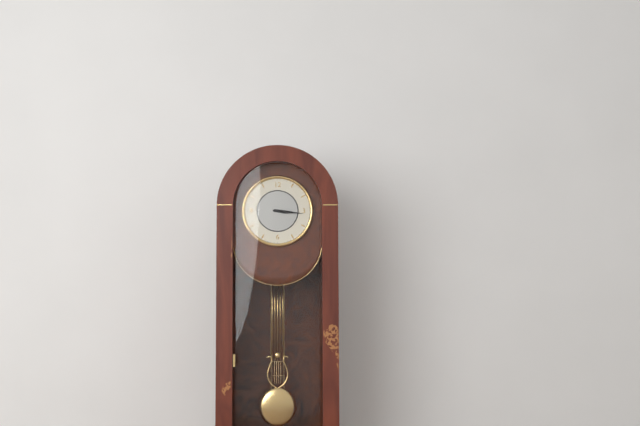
3:16
